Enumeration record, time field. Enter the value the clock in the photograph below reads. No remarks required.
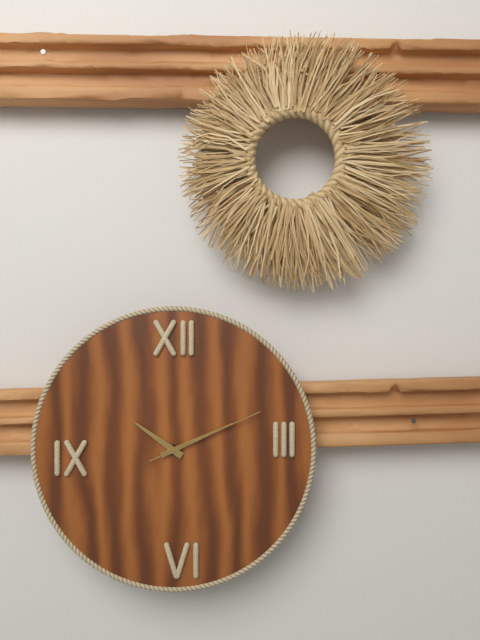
10:11:11
